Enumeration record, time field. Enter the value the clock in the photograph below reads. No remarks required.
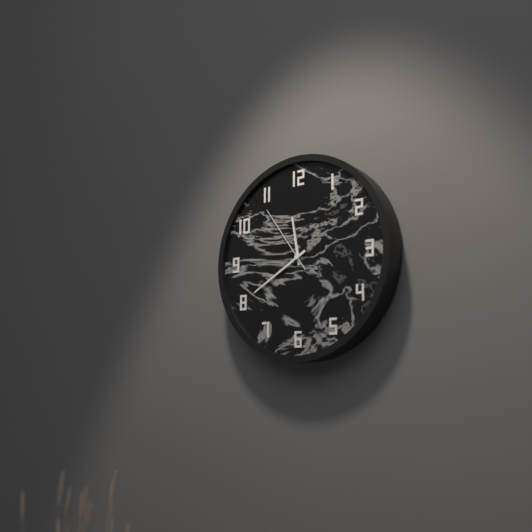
11:40:54
